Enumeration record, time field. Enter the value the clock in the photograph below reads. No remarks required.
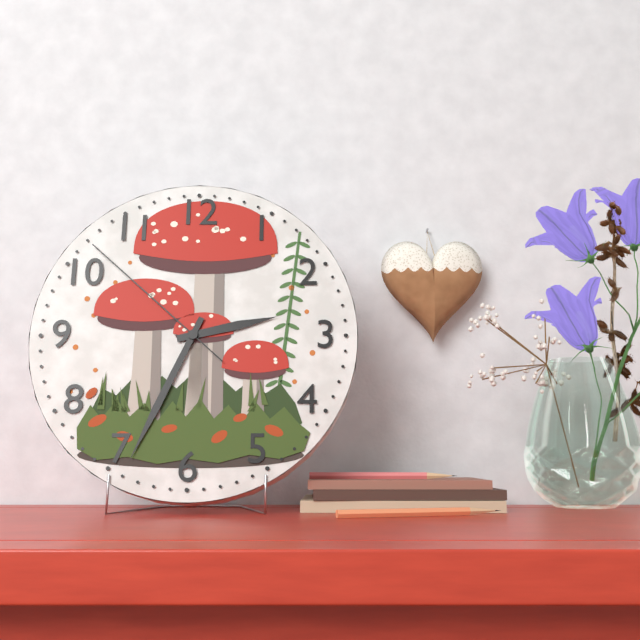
2:34:52
